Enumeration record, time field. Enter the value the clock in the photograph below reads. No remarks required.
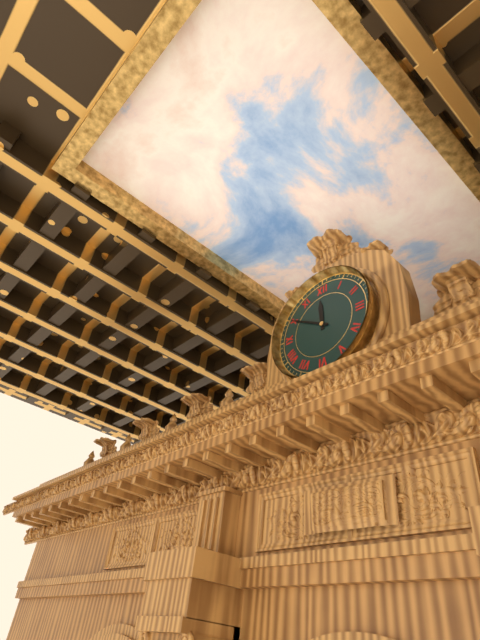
11:50
